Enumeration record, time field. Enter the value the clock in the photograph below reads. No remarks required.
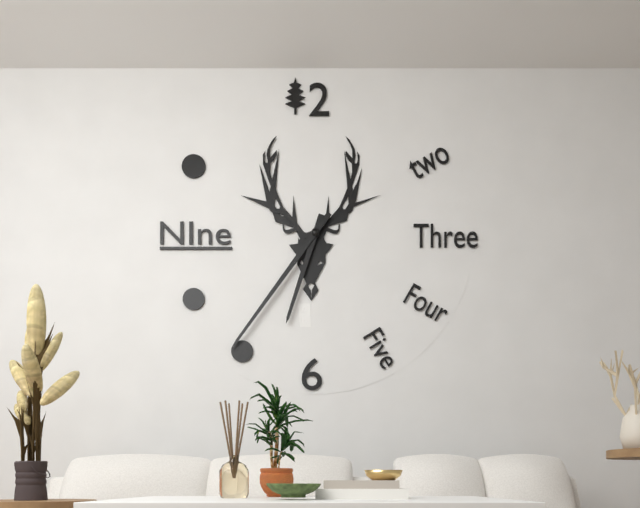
6:36
